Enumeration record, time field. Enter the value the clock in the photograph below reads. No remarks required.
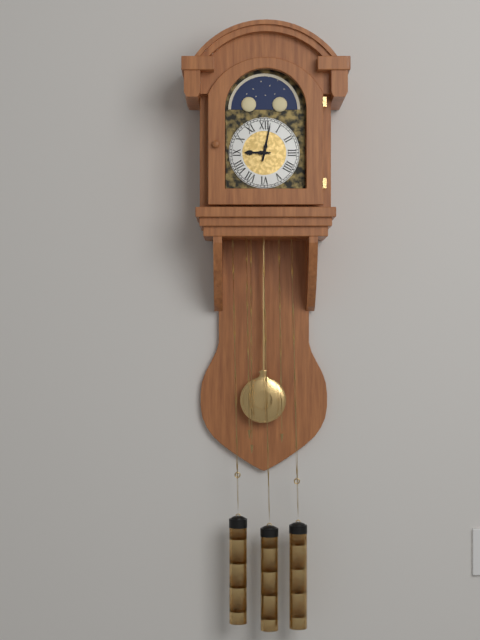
9:02
